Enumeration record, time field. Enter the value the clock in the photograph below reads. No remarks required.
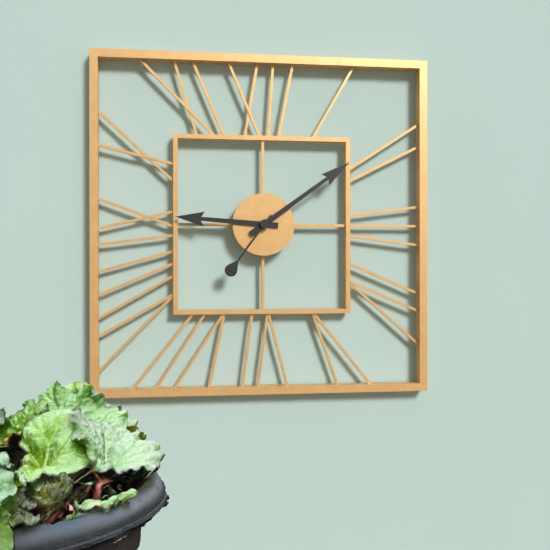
9:09:36
